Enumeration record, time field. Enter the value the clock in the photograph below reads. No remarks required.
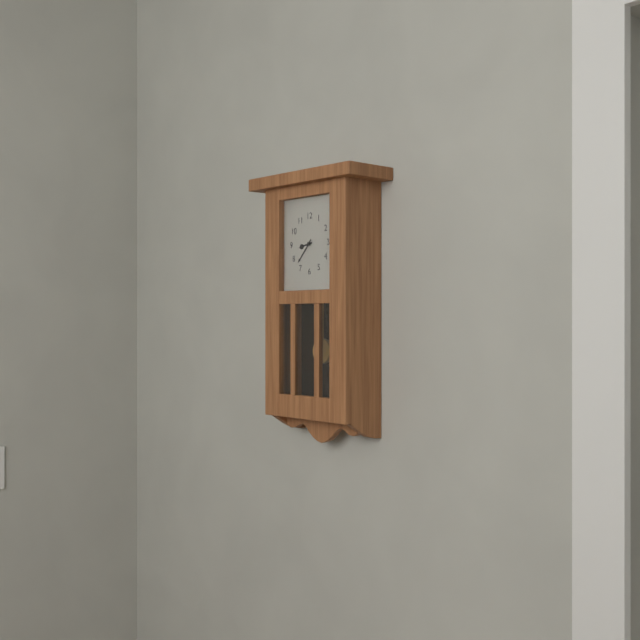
8:37
